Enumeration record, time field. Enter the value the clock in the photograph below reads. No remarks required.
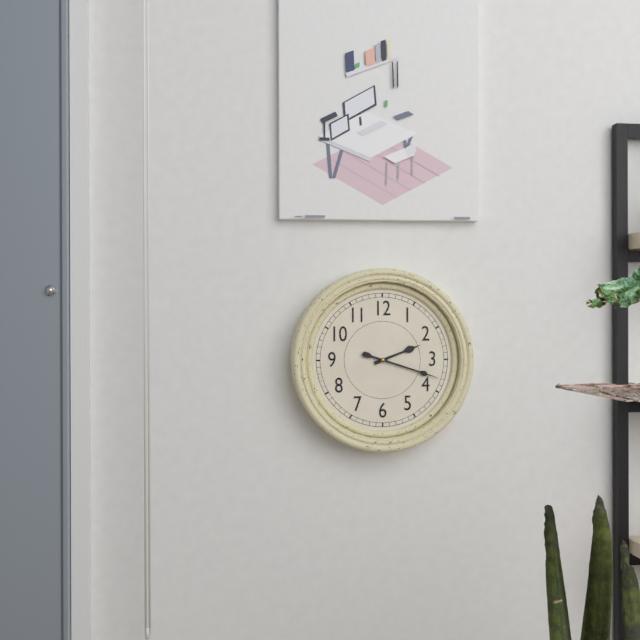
2:18
